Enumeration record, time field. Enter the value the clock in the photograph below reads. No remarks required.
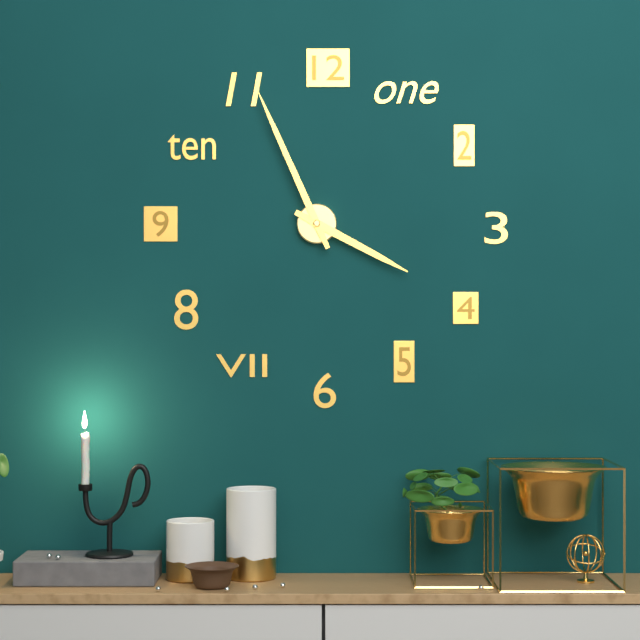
3:56
